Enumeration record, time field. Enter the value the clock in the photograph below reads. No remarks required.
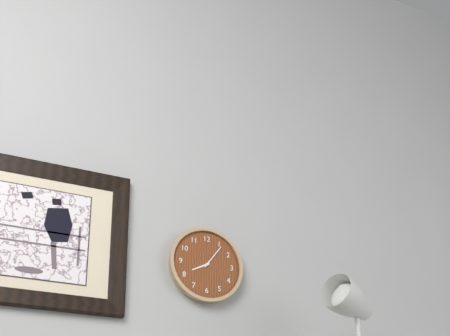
8:06
